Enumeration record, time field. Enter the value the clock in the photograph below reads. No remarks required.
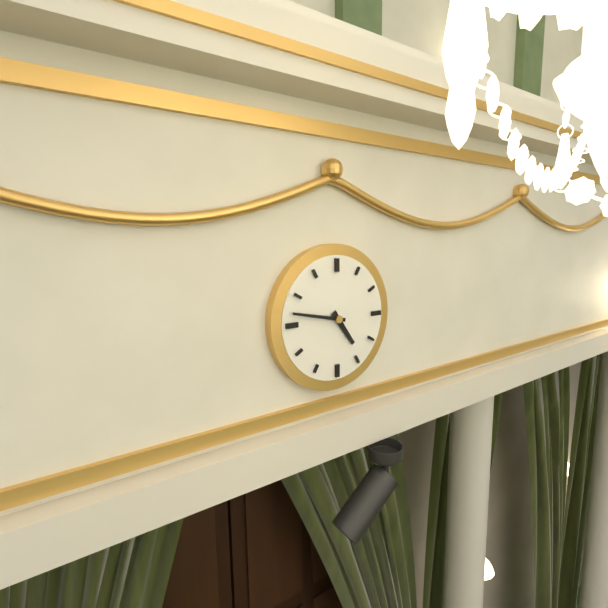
4:47
